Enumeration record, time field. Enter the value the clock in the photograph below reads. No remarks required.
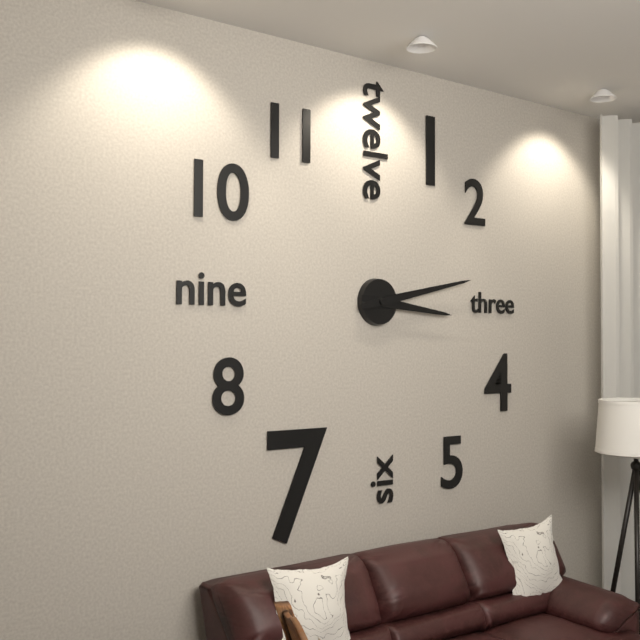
3:13
